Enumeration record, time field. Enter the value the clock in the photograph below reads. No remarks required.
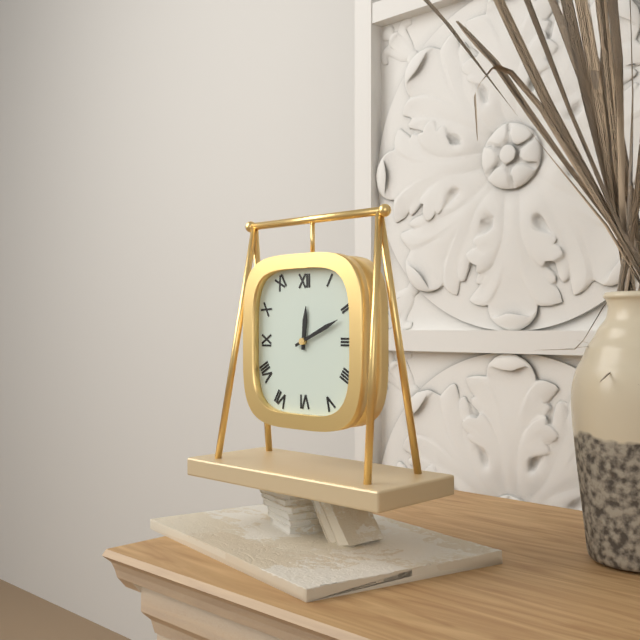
12:11
